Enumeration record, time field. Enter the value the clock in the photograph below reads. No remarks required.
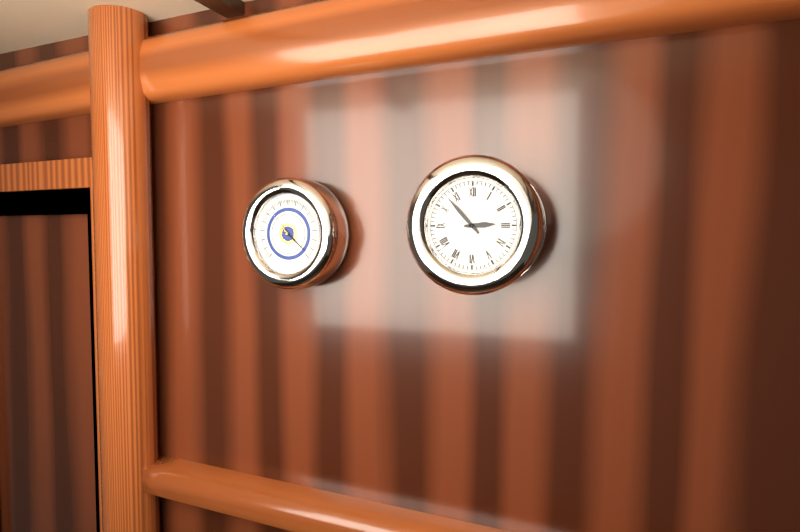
2:53
